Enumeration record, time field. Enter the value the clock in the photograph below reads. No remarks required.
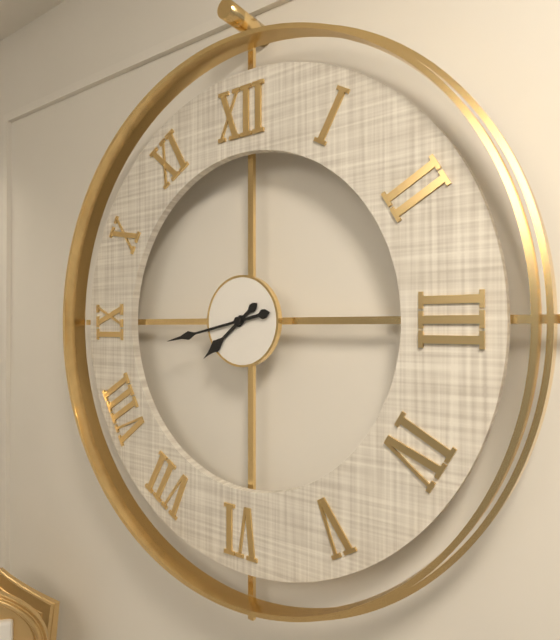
7:43
